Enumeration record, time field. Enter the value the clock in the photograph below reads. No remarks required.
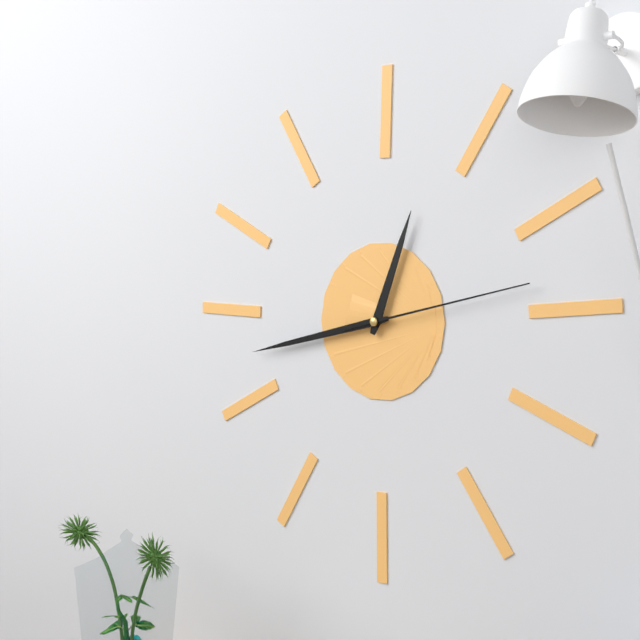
12:43:13
